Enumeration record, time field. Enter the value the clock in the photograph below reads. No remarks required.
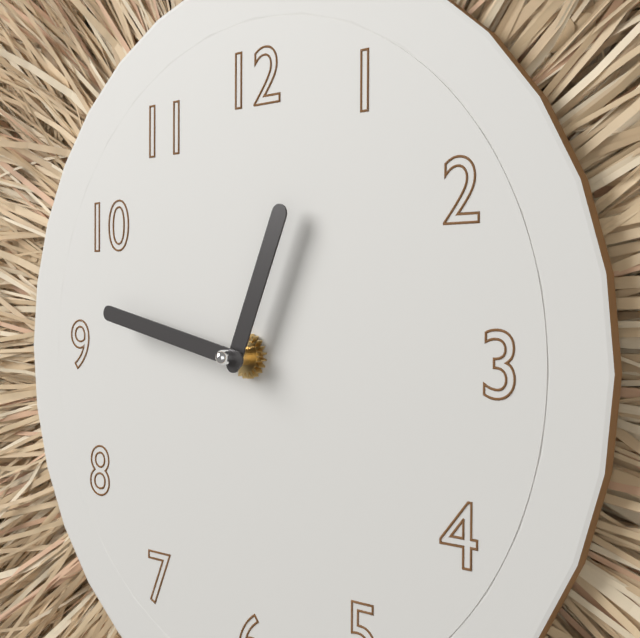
12:47
